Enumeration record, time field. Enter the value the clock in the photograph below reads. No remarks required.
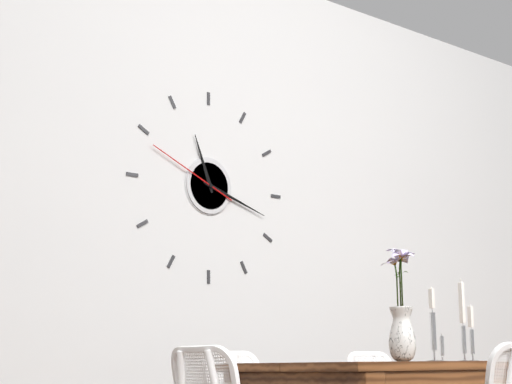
11:18:49
